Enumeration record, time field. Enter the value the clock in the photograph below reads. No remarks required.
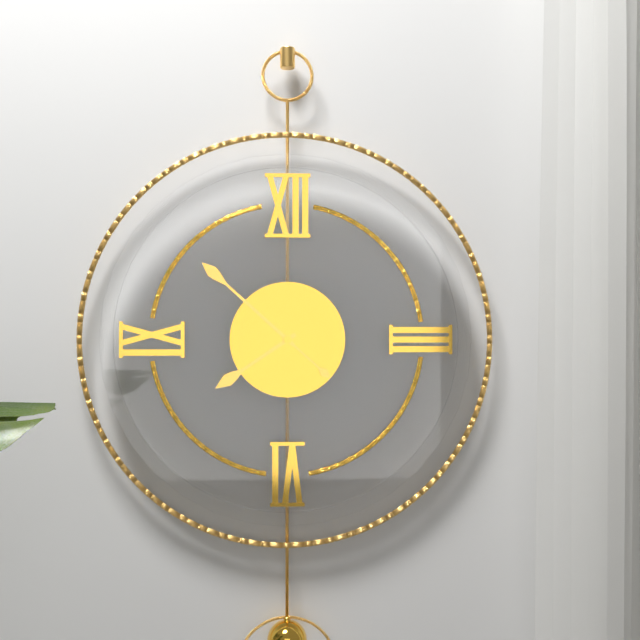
7:52
